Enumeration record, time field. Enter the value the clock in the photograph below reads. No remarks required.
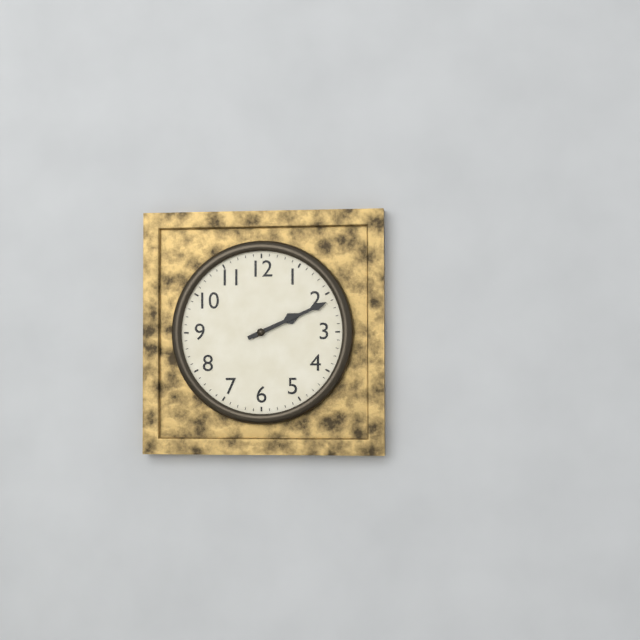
2:11
